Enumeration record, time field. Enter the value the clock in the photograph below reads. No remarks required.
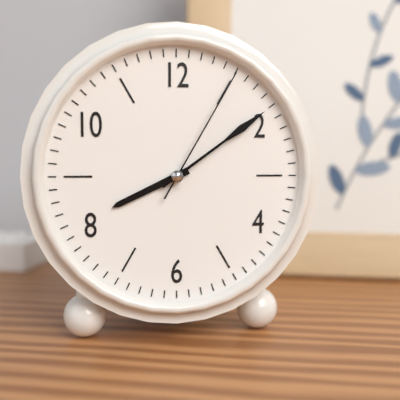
8:09:05
